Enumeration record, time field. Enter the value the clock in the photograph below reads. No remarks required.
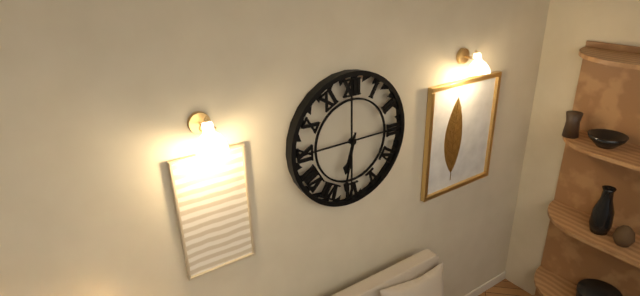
6:32
